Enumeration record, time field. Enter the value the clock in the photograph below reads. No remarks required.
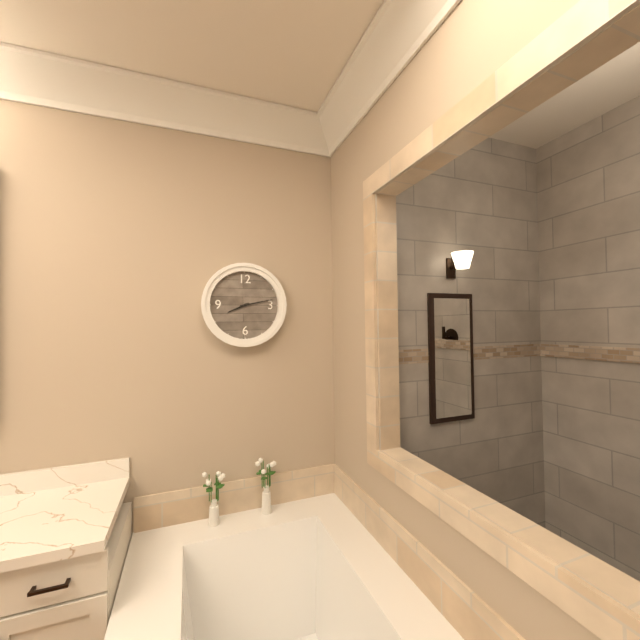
8:13
